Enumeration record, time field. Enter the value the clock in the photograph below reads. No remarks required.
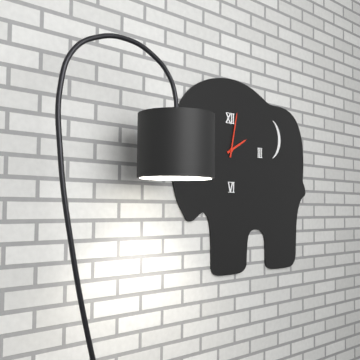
2:02
